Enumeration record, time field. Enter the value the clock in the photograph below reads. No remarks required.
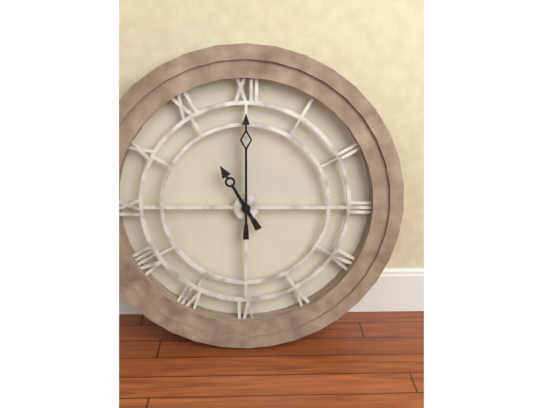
11:00
